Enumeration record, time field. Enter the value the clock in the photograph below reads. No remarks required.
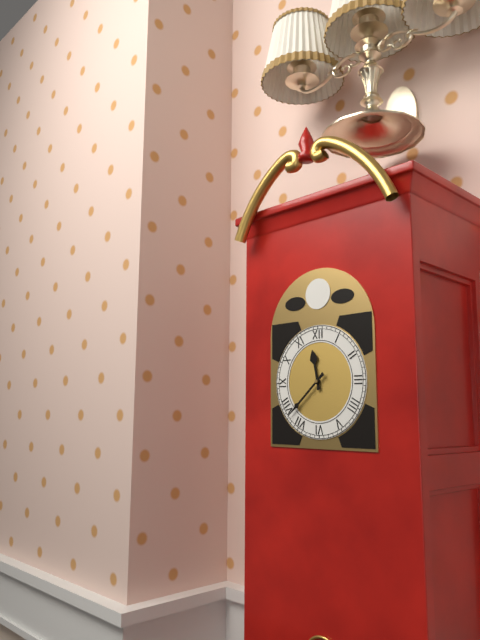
11:38
